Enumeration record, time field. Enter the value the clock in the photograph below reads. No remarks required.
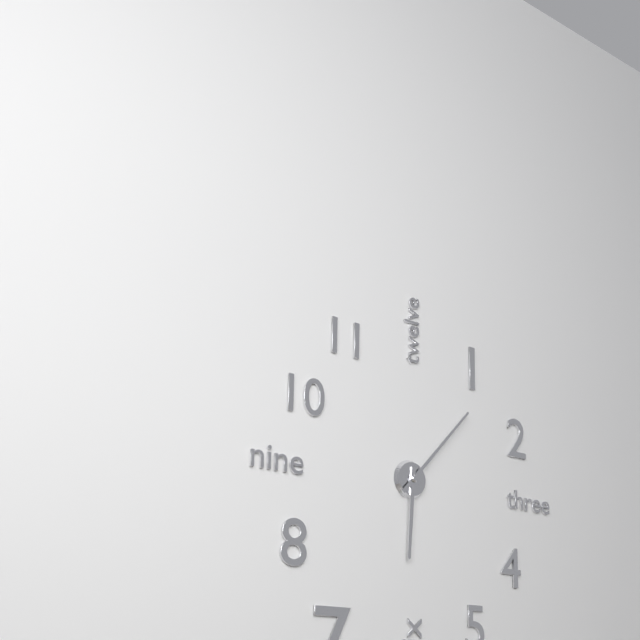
6:07
